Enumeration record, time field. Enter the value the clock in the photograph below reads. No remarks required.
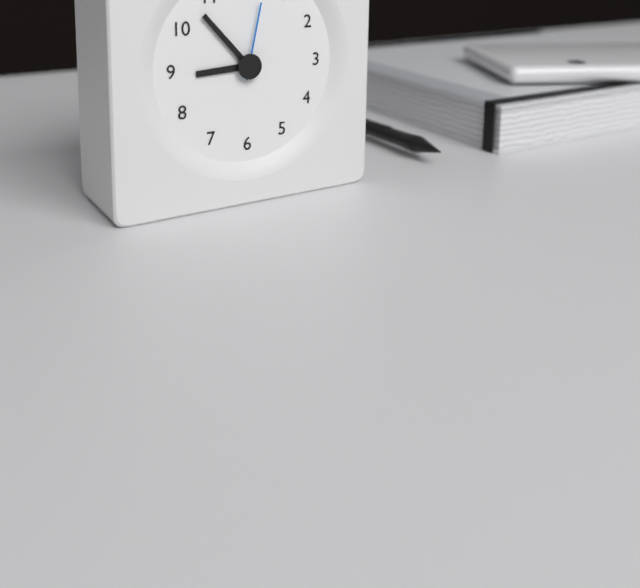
8:53:02
